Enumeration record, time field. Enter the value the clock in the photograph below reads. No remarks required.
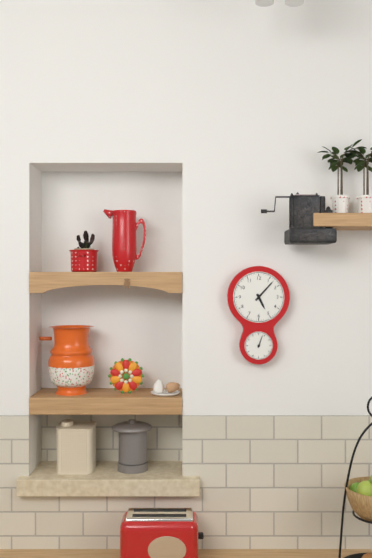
5:07
